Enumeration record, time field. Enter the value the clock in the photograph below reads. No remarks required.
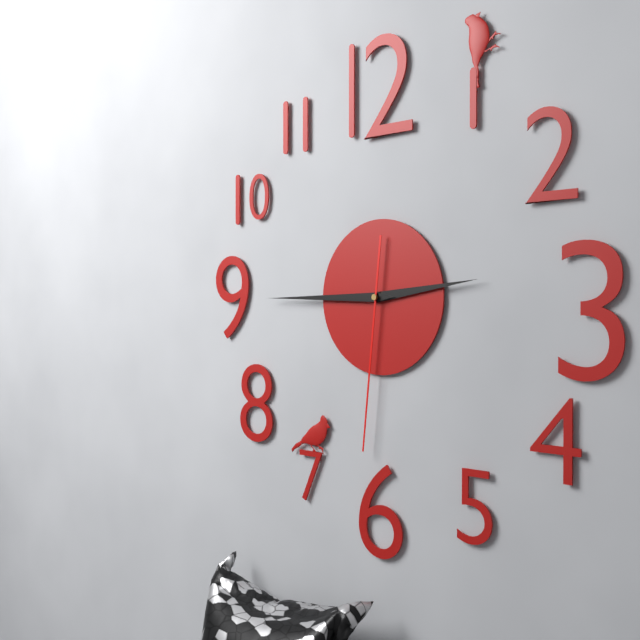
2:45:31
